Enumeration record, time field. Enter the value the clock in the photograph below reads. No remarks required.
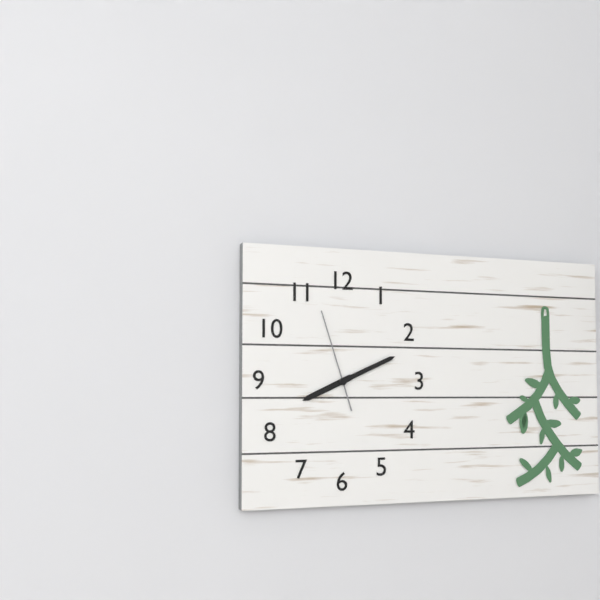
8:11:57
